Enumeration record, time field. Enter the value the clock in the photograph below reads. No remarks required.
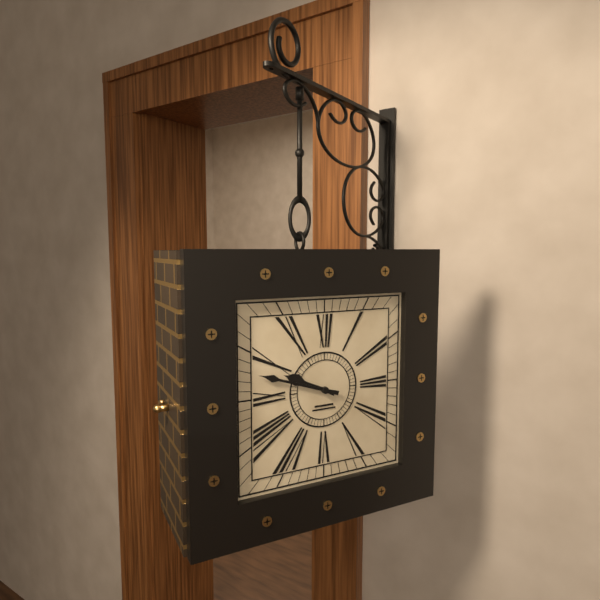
9:48
